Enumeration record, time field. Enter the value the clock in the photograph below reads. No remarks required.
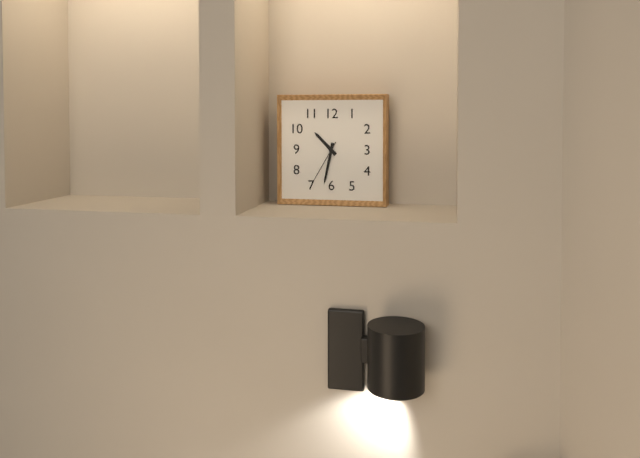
10:32
